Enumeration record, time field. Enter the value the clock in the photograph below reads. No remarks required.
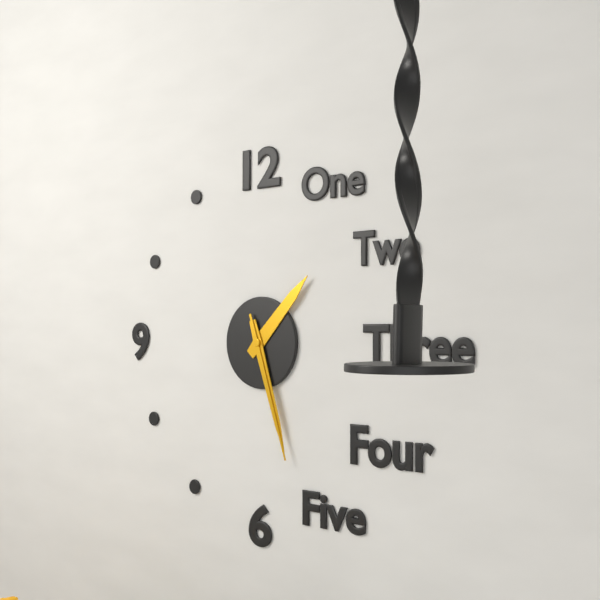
1:27:27
